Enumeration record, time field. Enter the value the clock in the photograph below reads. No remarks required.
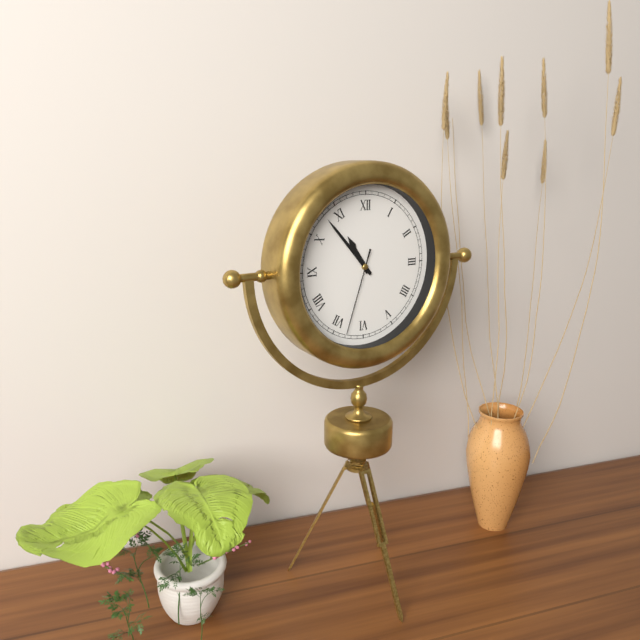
10:53:33
